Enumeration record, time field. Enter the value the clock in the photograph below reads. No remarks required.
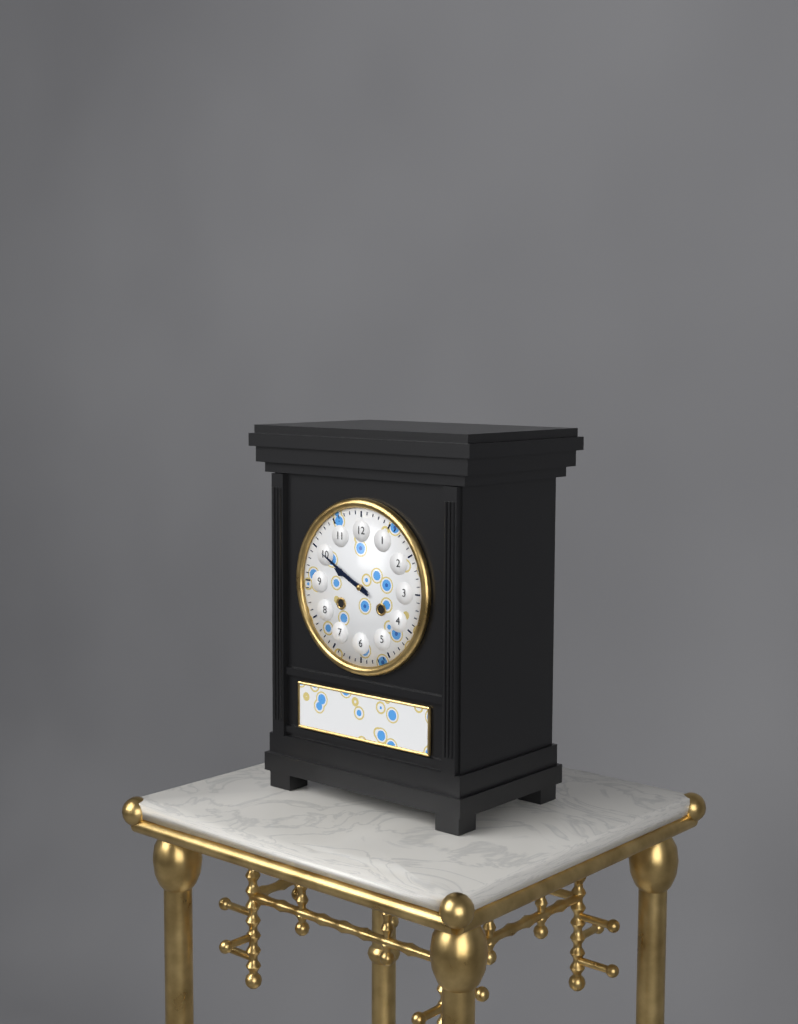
9:50
